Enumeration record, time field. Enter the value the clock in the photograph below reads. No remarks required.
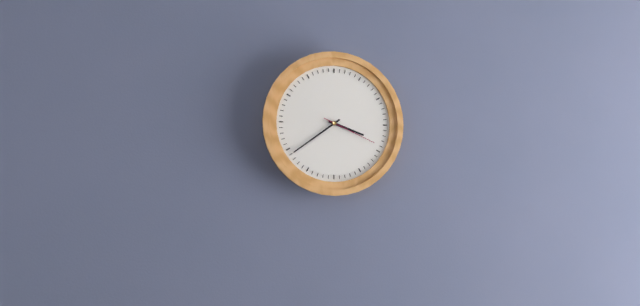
3:39:19
